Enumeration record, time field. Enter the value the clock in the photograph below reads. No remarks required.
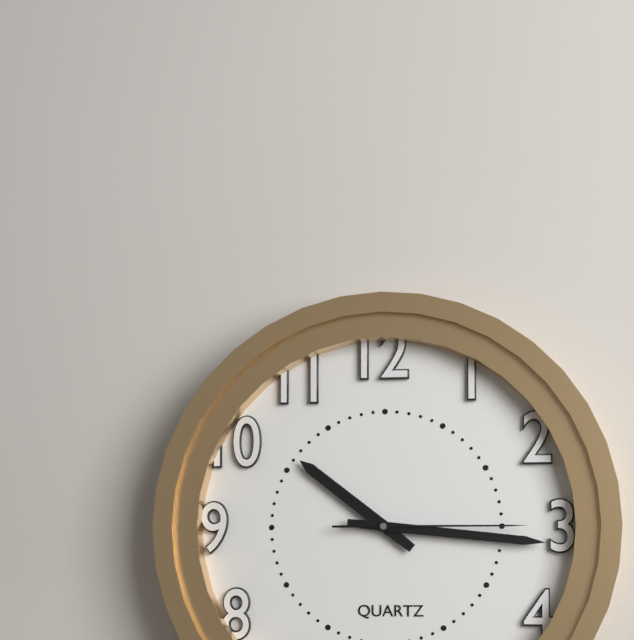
10:16:15
